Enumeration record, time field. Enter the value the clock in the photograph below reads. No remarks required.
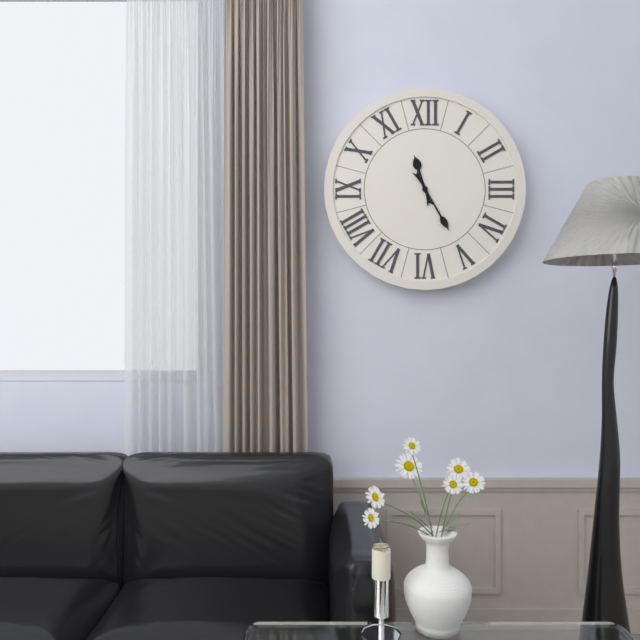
11:25
